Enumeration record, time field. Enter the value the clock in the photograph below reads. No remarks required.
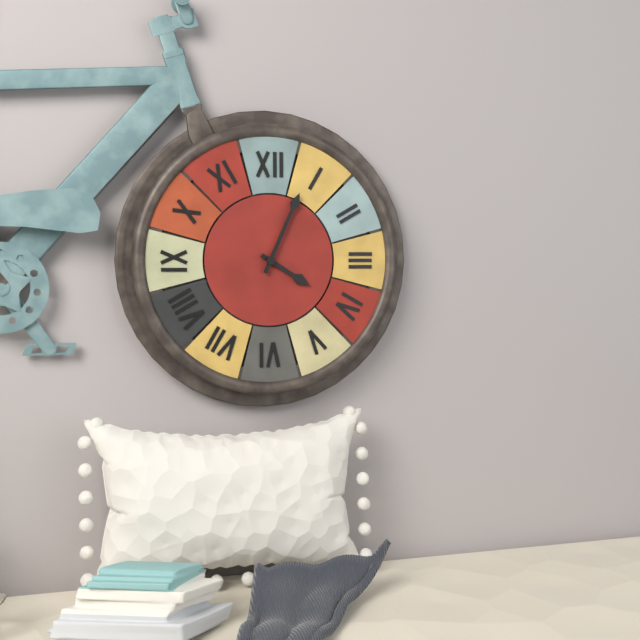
4:04
